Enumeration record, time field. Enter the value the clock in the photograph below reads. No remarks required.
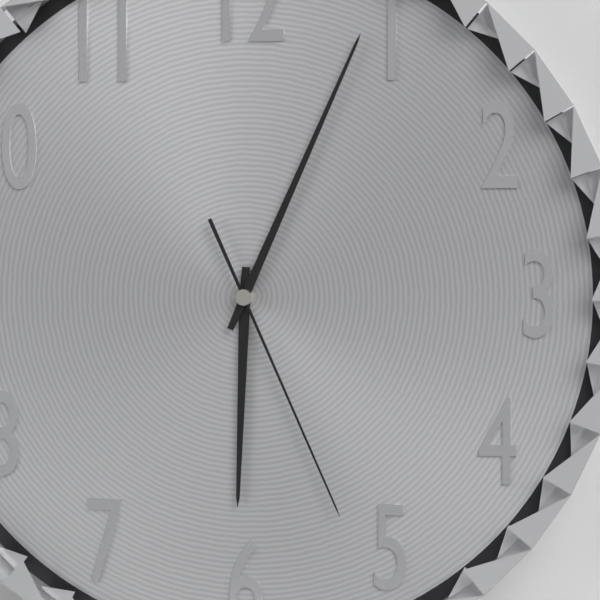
6:04:26
